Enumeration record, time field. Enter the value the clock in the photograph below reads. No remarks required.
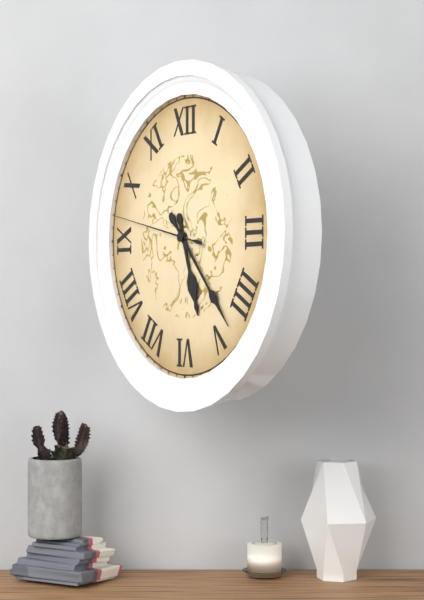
5:23:47
